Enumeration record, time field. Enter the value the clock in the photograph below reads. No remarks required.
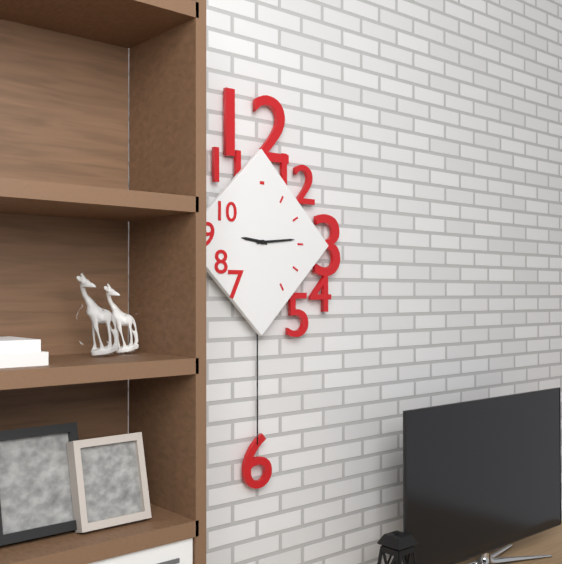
9:14
